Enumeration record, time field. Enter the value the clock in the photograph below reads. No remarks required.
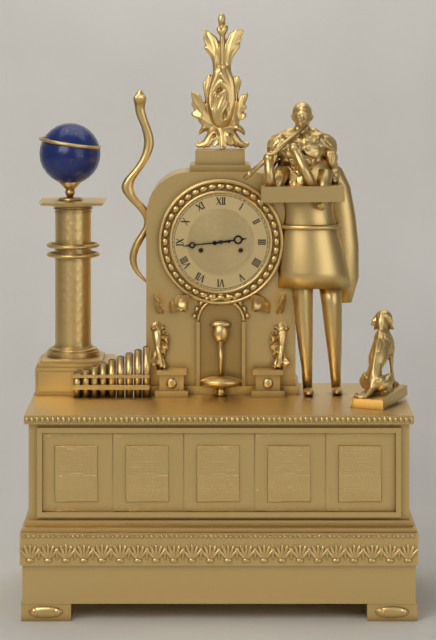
2:44
